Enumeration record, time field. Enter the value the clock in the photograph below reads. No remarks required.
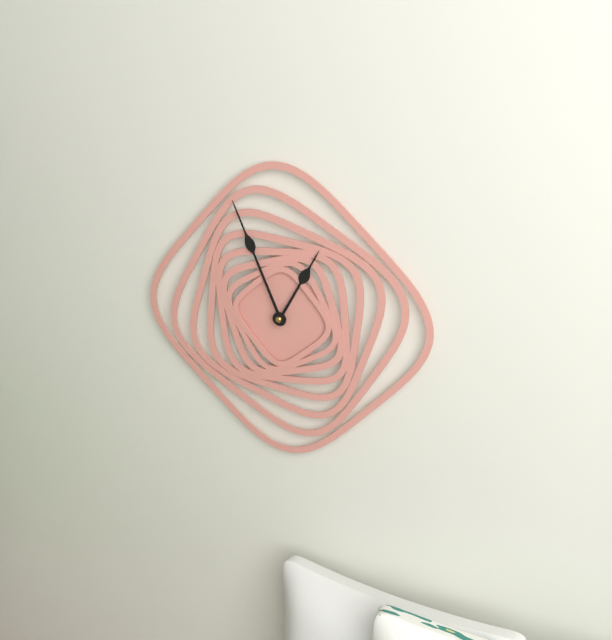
12:56
